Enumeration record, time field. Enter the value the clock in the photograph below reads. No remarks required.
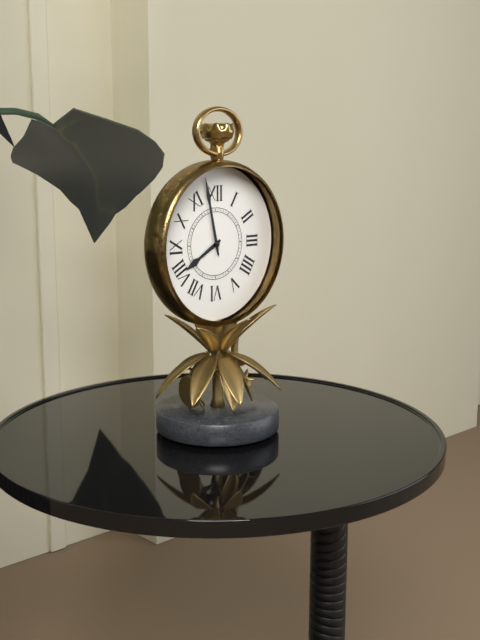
7:58
